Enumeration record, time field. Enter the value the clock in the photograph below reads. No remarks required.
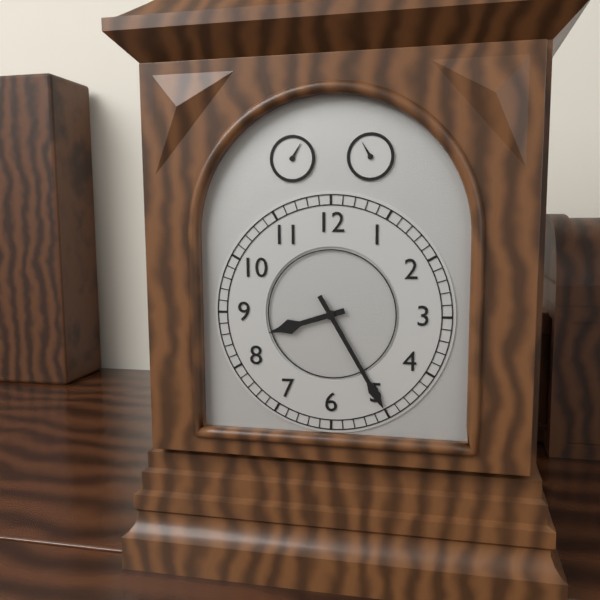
8:25
